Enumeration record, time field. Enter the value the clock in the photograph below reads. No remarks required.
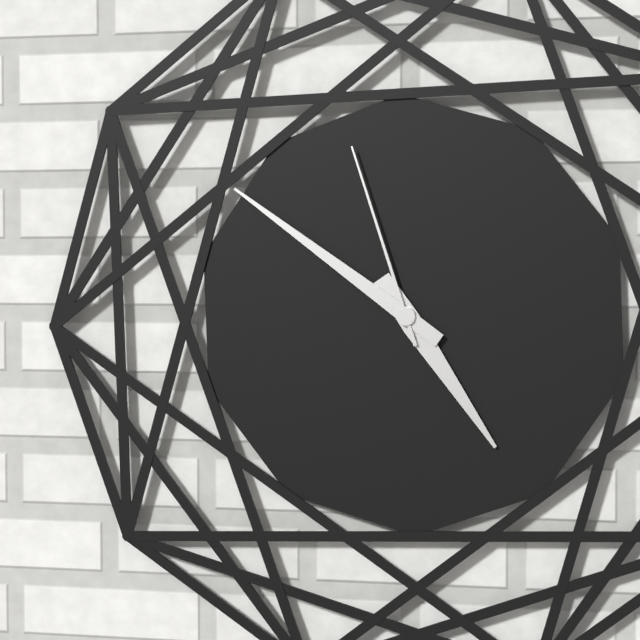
4:51:57
